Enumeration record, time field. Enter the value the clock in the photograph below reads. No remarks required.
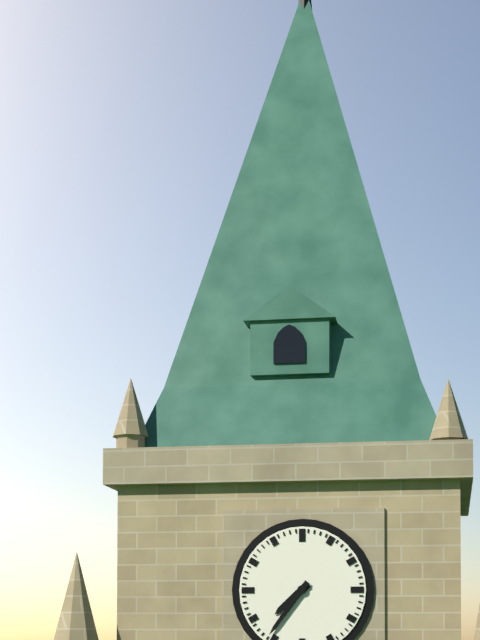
7:36
